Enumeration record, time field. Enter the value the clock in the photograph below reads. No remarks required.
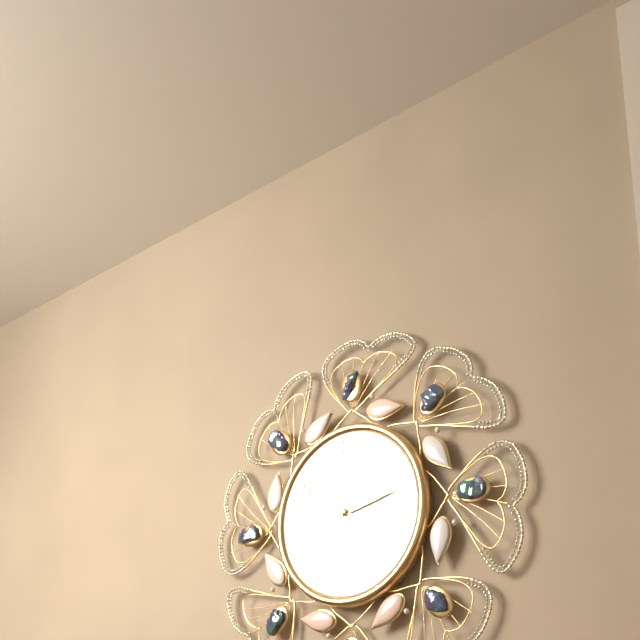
4:13:19
